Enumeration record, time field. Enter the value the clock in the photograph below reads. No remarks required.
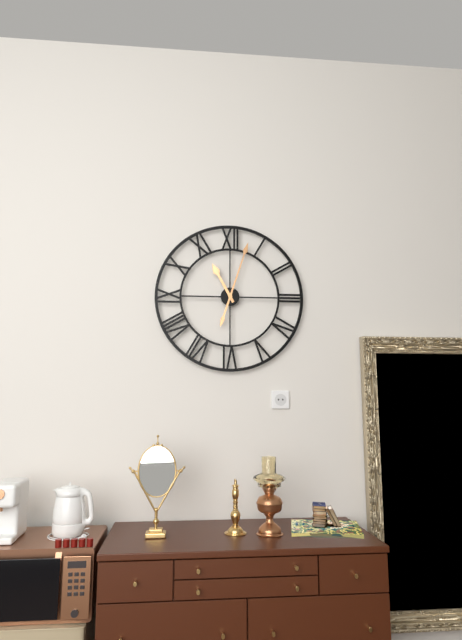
11:03
